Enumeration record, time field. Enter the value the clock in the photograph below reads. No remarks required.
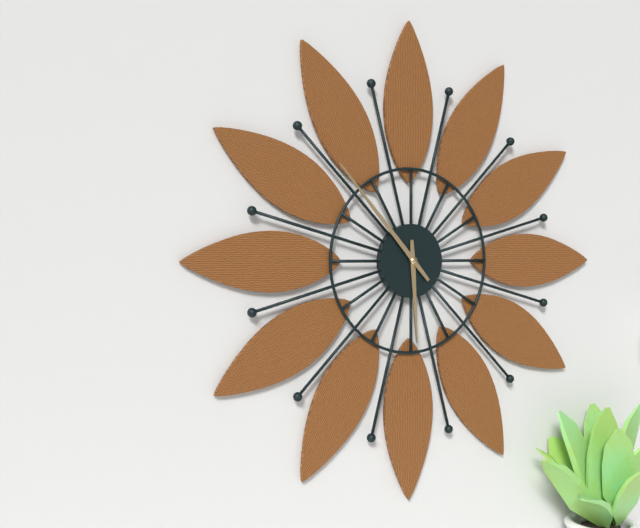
5:53
